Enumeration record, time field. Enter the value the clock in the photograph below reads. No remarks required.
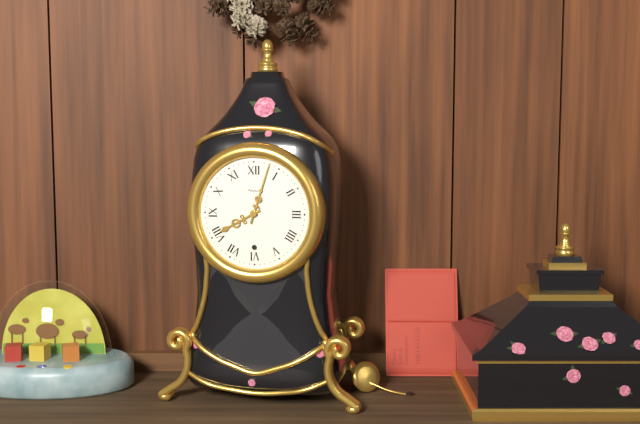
8:03
